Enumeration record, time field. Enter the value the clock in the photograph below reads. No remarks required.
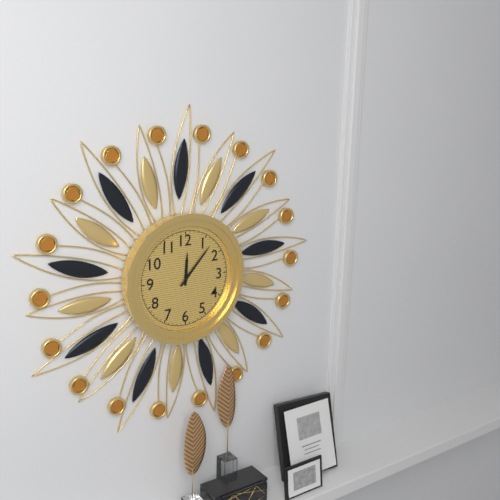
12:07
